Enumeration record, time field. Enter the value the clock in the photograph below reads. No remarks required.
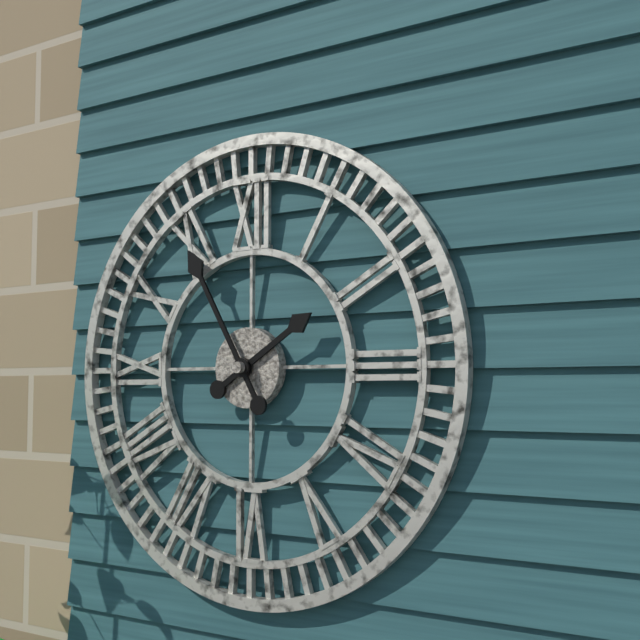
1:55
